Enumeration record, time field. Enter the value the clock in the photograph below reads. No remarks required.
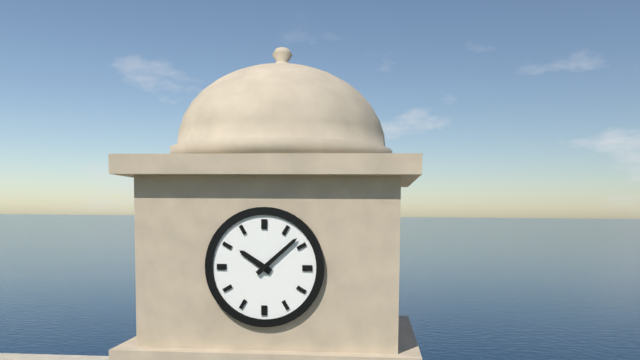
10:08
